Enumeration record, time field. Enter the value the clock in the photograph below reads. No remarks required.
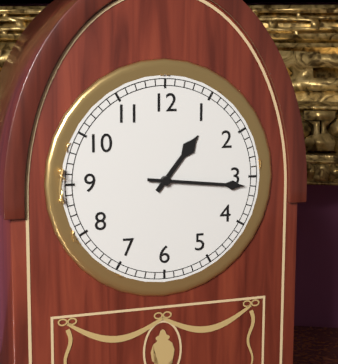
1:16
